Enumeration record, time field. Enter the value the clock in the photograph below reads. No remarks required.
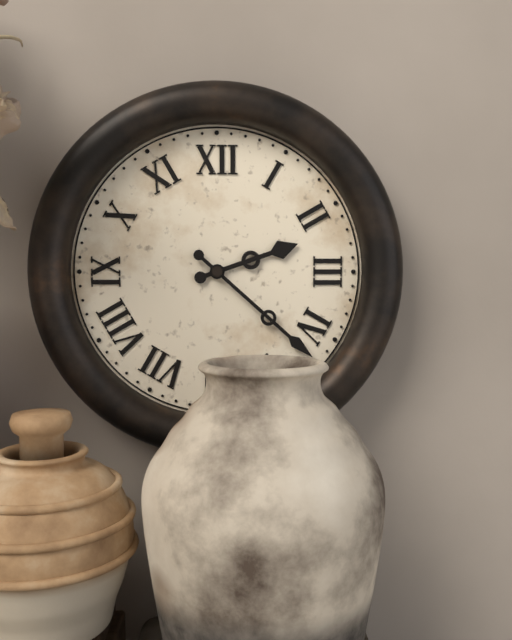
2:22
